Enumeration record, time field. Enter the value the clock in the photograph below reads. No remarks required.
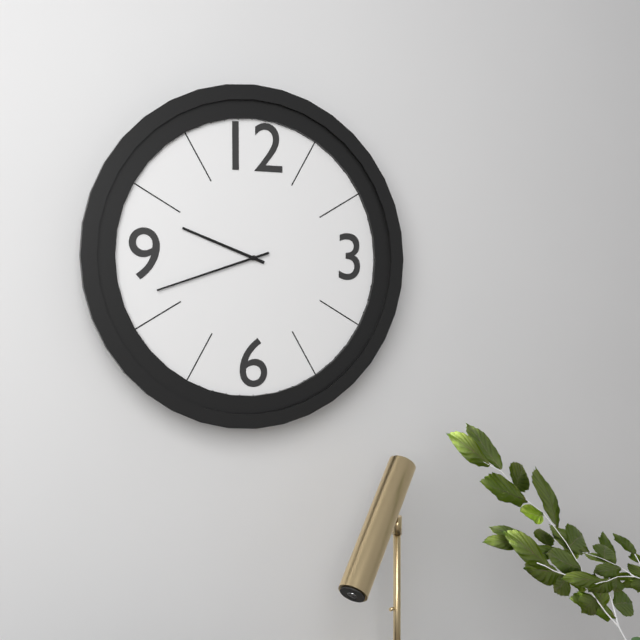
9:42
